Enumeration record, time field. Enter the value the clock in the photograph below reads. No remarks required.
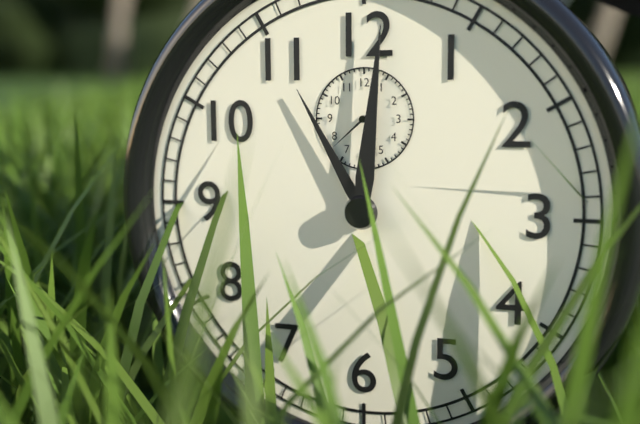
11:01:38
